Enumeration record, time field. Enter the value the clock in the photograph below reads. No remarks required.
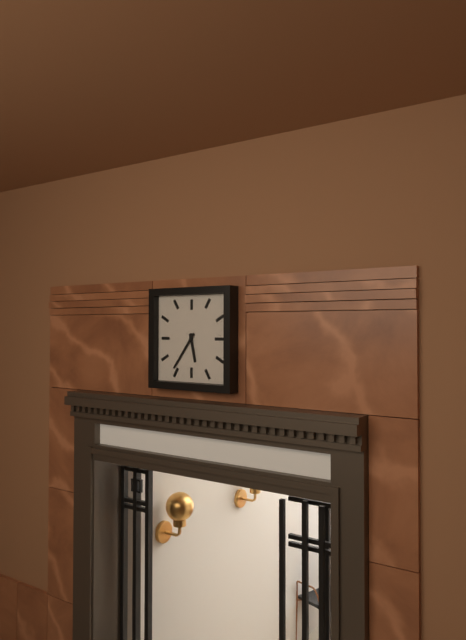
5:36
